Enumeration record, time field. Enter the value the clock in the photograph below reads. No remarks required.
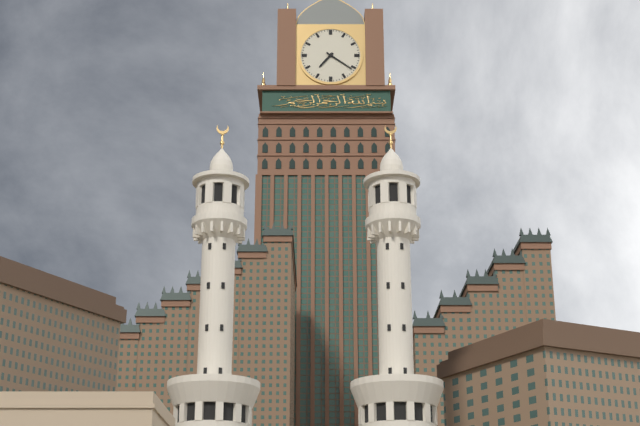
7:21
